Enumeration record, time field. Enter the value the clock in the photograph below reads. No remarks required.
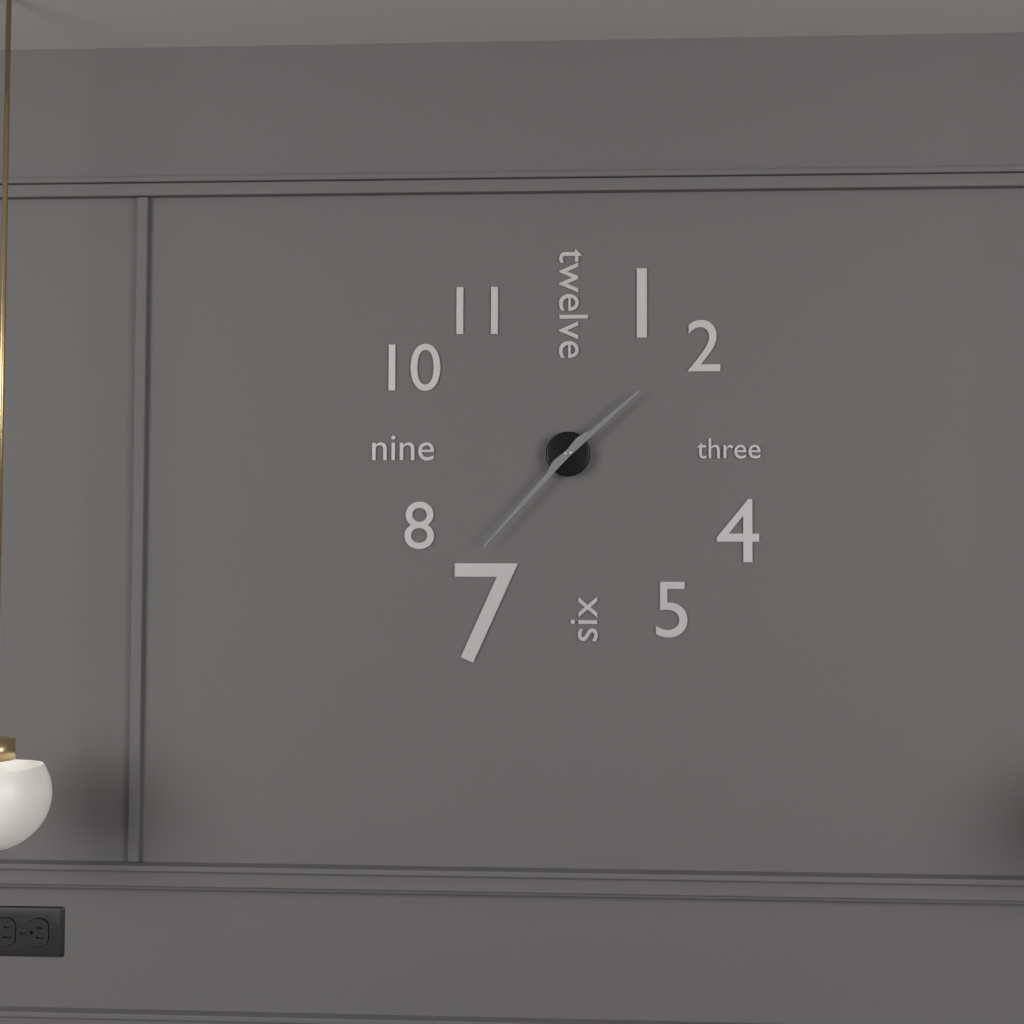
1:37
